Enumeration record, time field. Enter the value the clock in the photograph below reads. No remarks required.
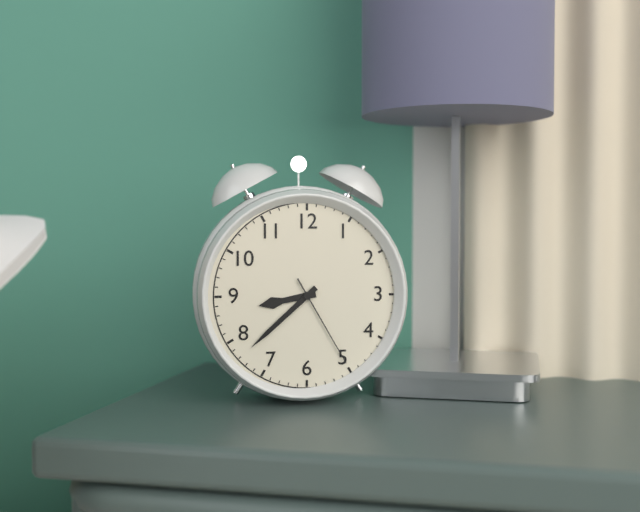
8:38:25
